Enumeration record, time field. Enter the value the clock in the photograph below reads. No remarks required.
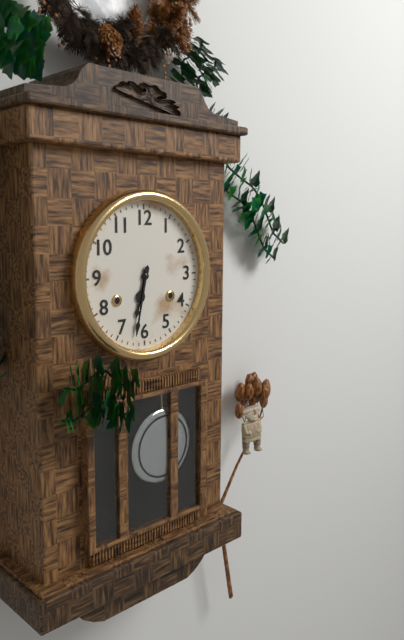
6:32
